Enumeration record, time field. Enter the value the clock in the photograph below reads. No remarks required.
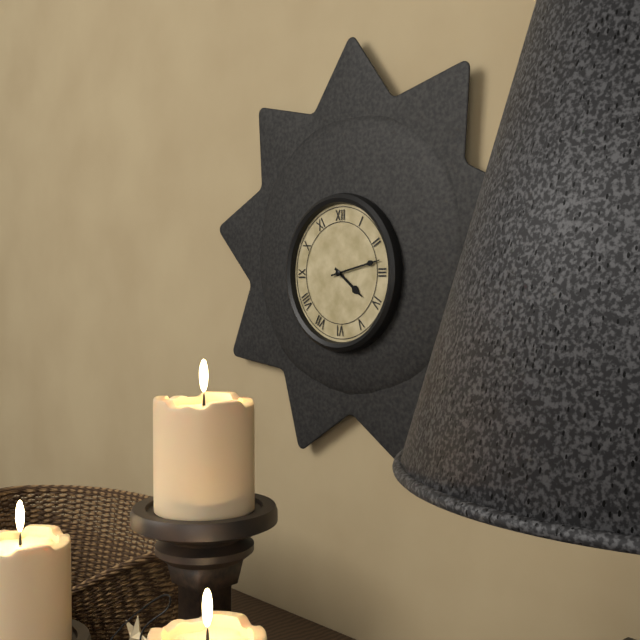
4:13
